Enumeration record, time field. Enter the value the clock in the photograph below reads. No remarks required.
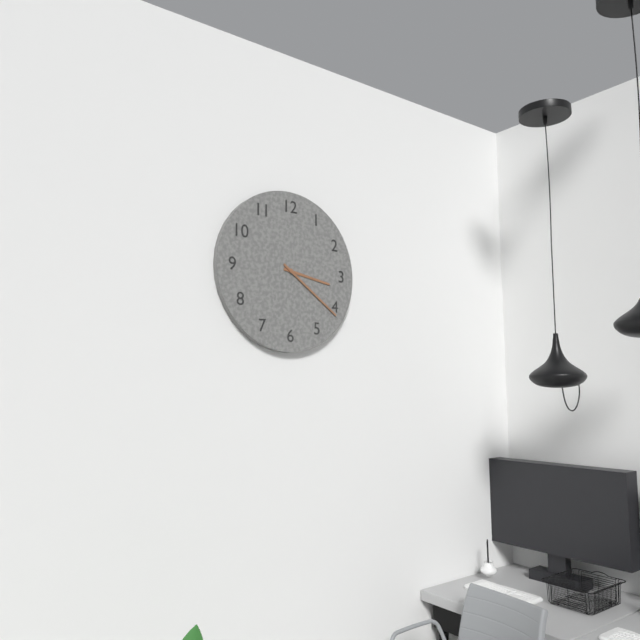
3:21
